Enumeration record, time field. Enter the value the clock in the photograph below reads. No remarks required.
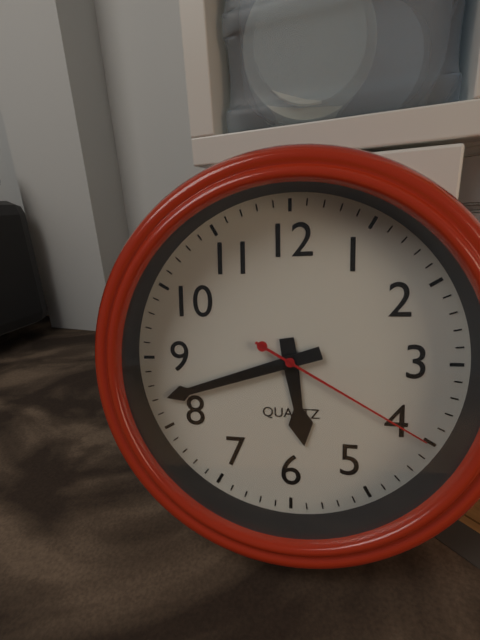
5:42:20
